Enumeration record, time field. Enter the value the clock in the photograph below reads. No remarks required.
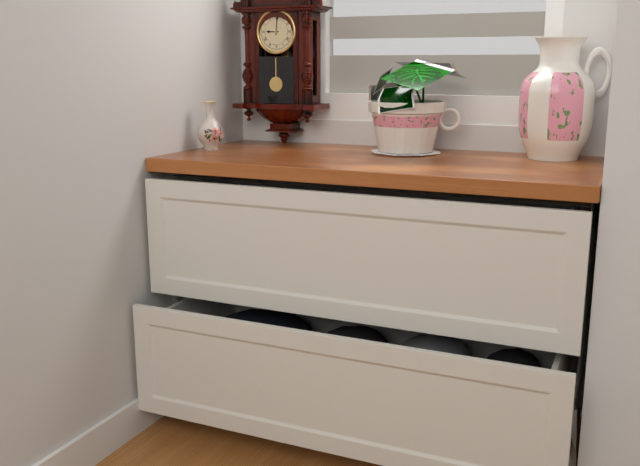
9:01
